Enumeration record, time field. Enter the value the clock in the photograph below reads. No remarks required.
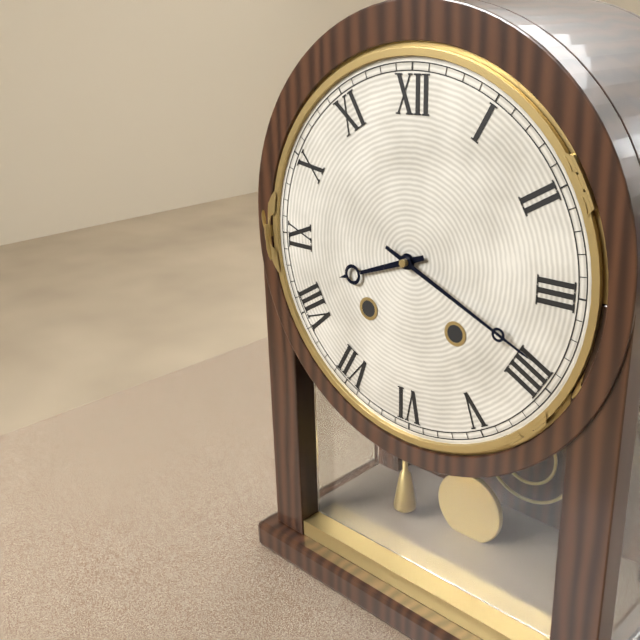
8:19
